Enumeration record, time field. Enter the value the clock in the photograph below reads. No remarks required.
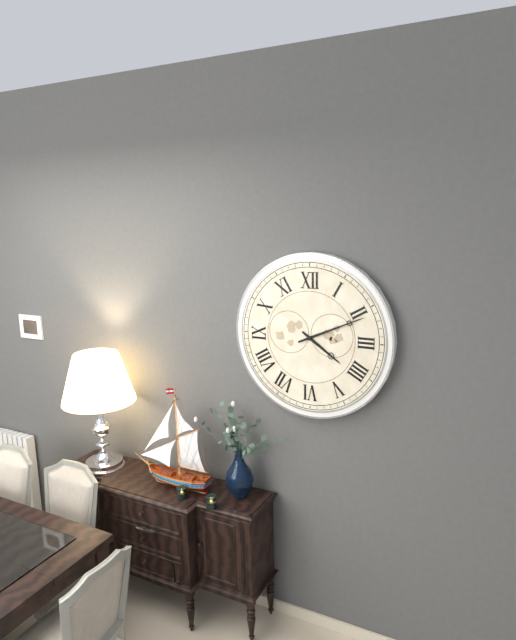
4:11
